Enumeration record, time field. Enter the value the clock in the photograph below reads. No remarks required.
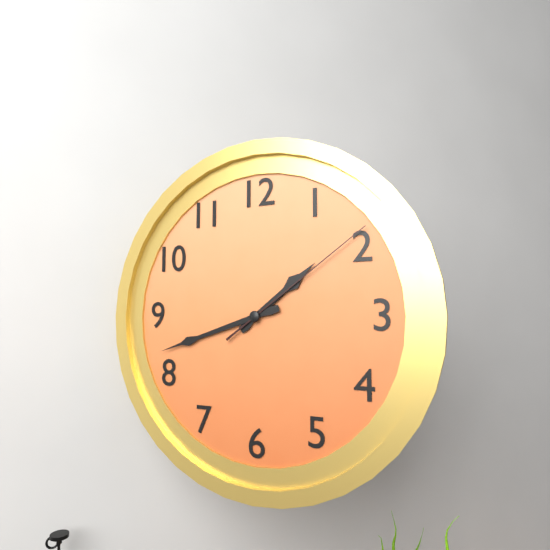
1:42:09
